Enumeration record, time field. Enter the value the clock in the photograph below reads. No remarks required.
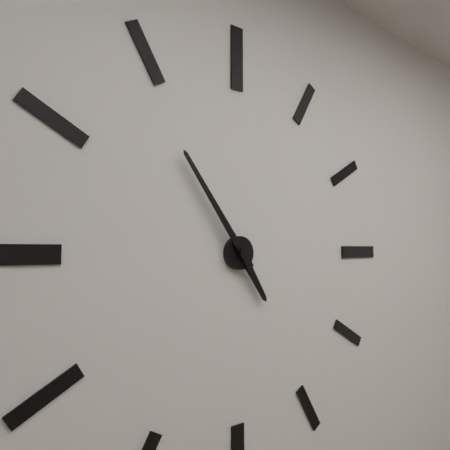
4:54
